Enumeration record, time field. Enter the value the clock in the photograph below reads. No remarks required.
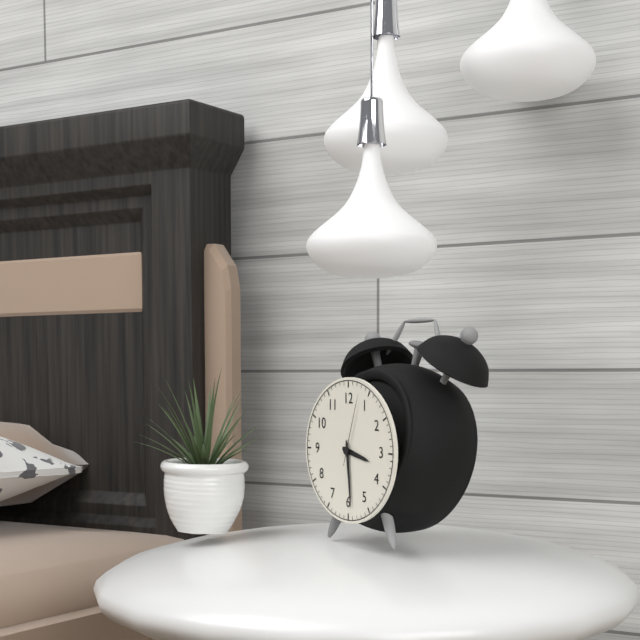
3:29:03
